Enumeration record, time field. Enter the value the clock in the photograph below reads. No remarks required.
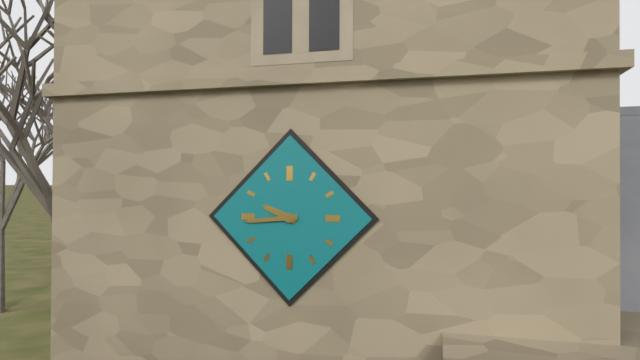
9:44
